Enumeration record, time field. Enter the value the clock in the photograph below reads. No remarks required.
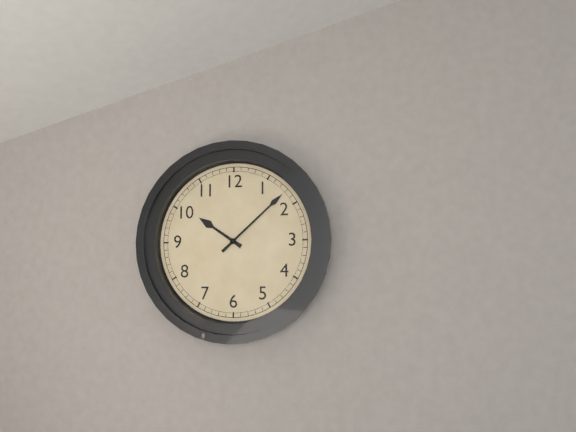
10:08
